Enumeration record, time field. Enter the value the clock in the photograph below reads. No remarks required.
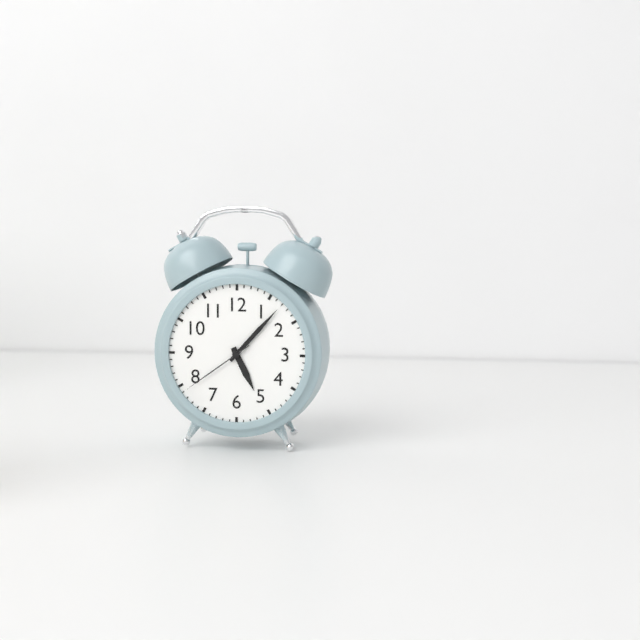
5:07:39
